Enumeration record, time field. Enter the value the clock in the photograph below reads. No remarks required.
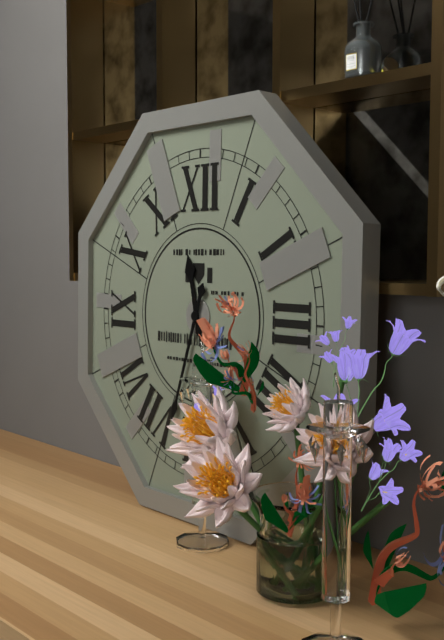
11:33
